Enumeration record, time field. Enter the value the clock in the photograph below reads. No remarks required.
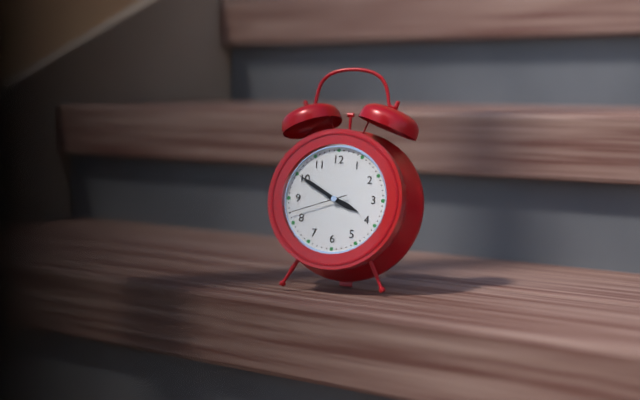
3:50:42
